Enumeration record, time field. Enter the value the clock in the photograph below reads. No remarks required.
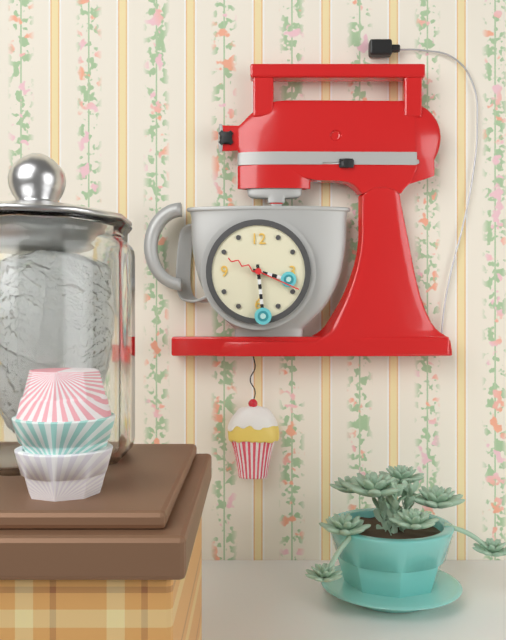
3:29:19
